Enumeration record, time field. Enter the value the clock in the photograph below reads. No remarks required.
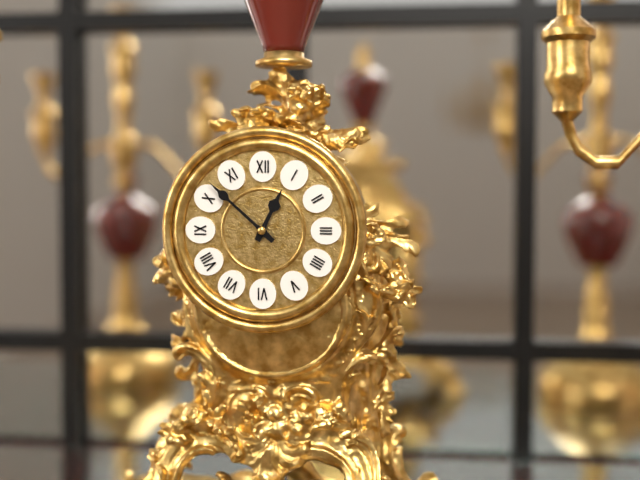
12:52
